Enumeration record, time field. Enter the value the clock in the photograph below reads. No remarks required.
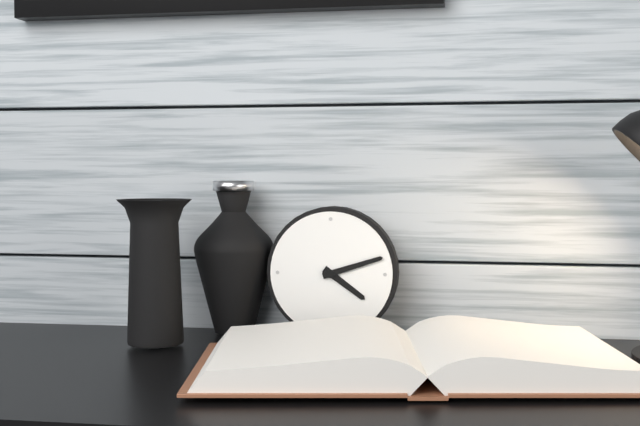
4:12
